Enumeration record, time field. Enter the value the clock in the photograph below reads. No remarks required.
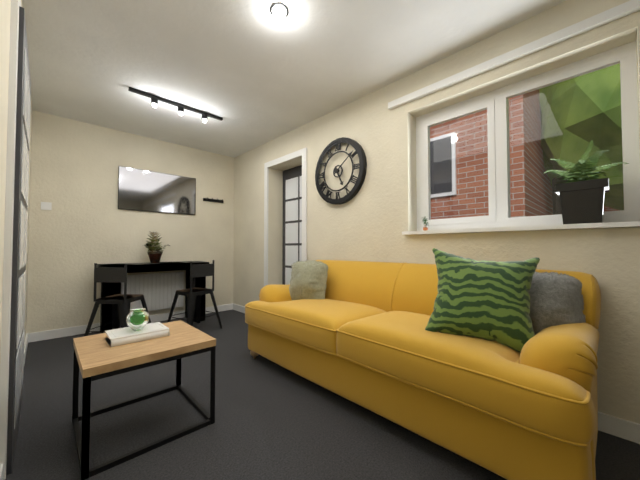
5:09
